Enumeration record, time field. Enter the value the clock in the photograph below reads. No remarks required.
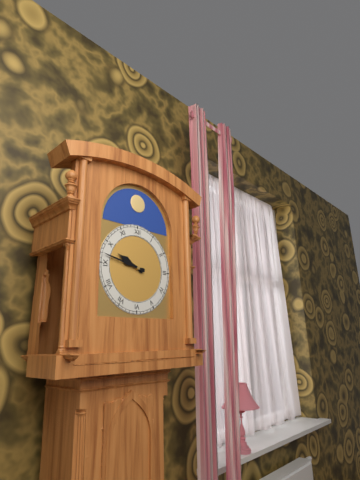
9:47
